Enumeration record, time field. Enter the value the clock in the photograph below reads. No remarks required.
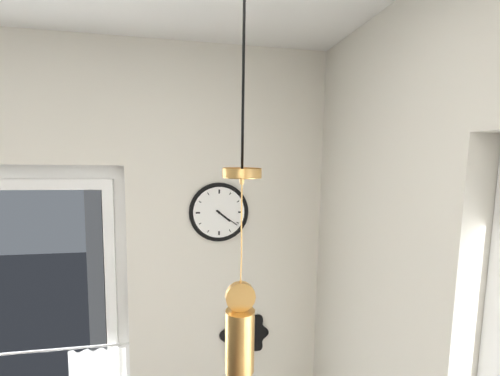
4:21
